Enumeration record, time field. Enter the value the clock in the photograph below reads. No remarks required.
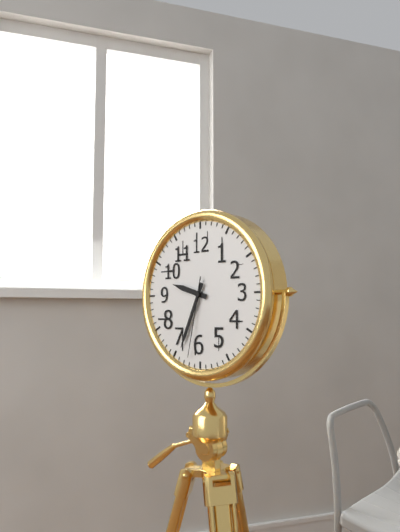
9:34:32
